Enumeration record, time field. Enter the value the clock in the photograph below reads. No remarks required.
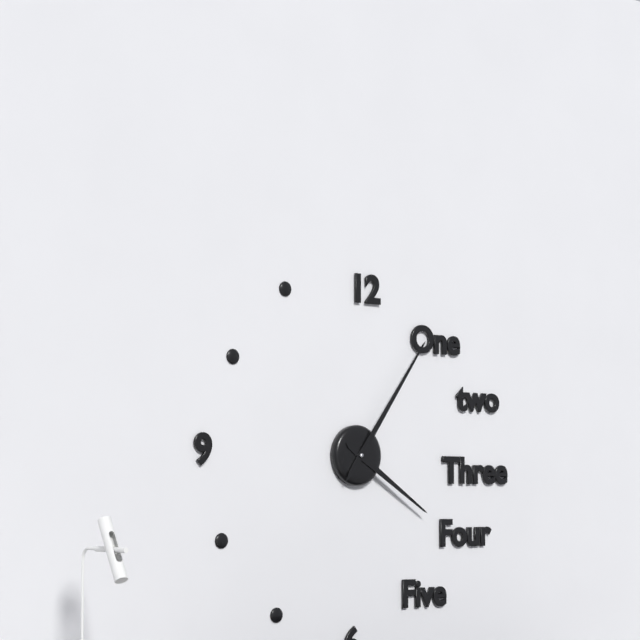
4:06
